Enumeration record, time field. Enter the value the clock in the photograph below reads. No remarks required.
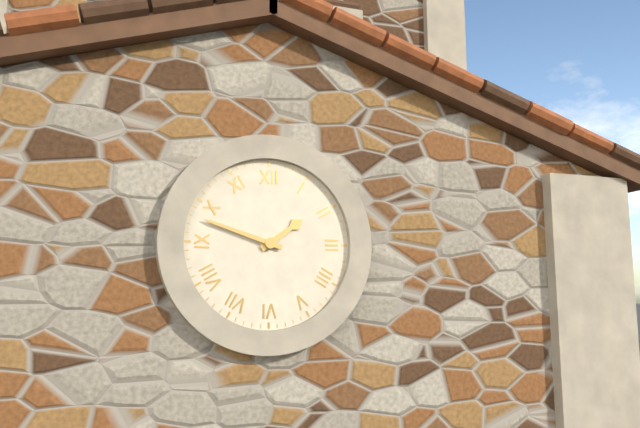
1:48
